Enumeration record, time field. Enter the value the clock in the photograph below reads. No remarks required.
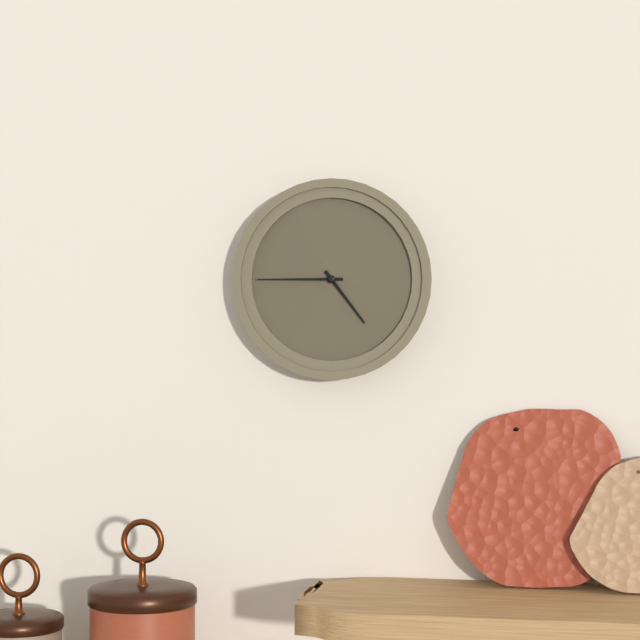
4:45
